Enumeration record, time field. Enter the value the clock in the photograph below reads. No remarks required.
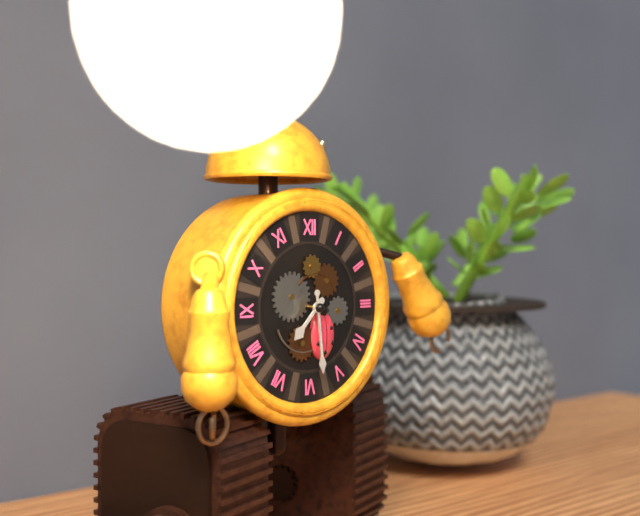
7:29
